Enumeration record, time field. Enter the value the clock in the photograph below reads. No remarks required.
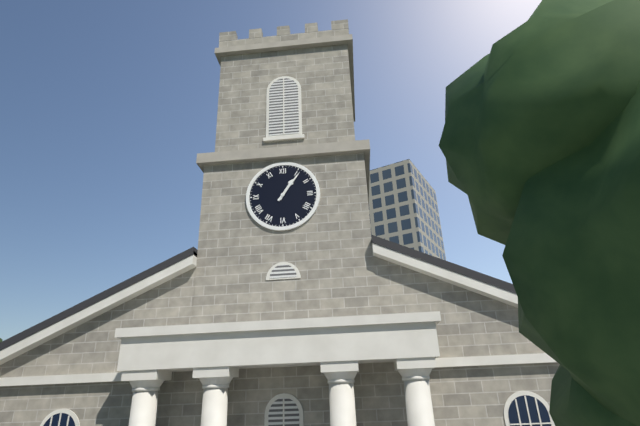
1:06
